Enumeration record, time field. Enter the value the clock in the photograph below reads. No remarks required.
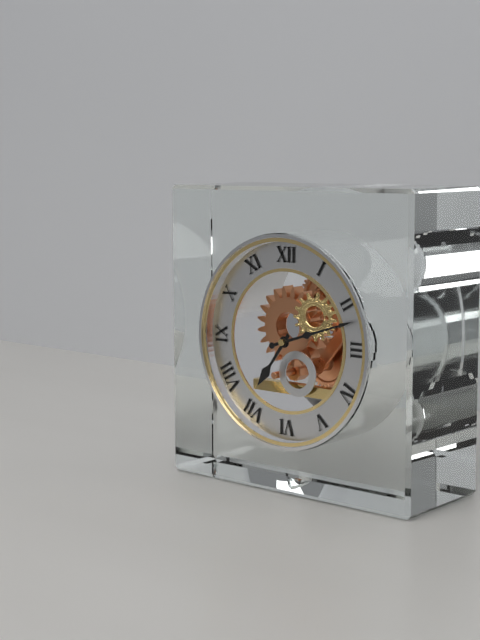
7:12
